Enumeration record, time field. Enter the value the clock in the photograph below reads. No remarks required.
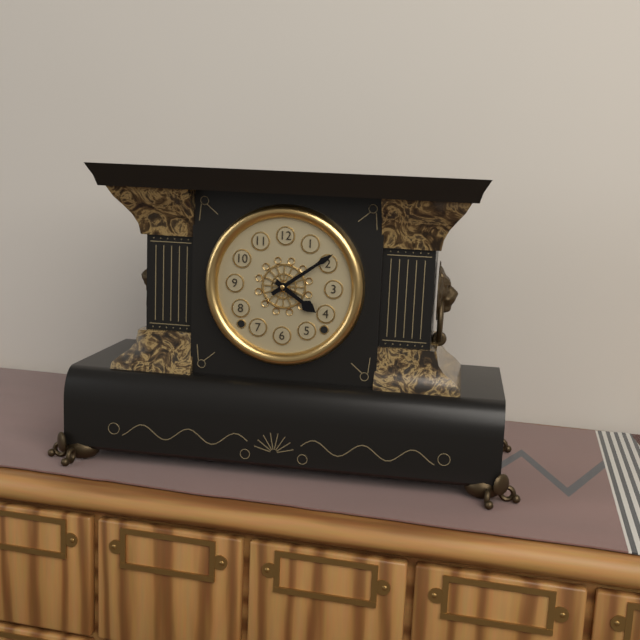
4:09
